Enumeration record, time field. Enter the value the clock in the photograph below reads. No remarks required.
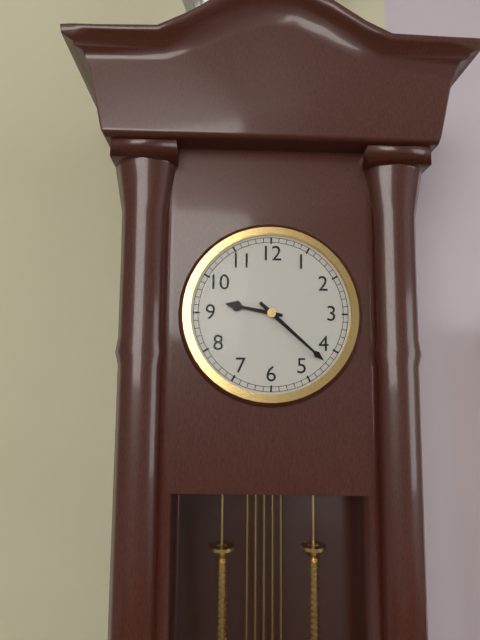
9:22
